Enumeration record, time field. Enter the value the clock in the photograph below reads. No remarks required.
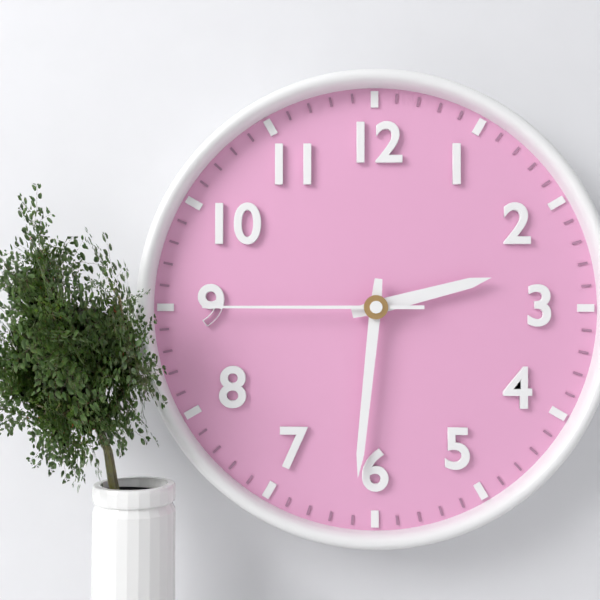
2:31:45
